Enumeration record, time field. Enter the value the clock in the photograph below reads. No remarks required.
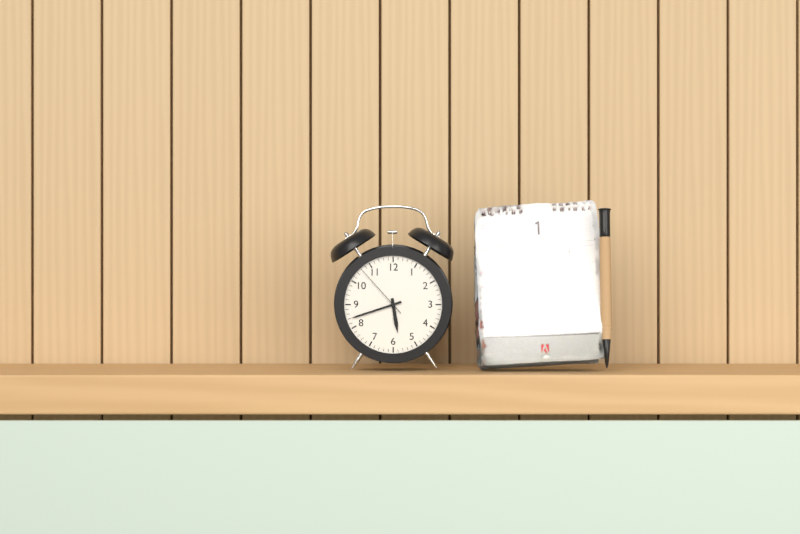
5:42:53
